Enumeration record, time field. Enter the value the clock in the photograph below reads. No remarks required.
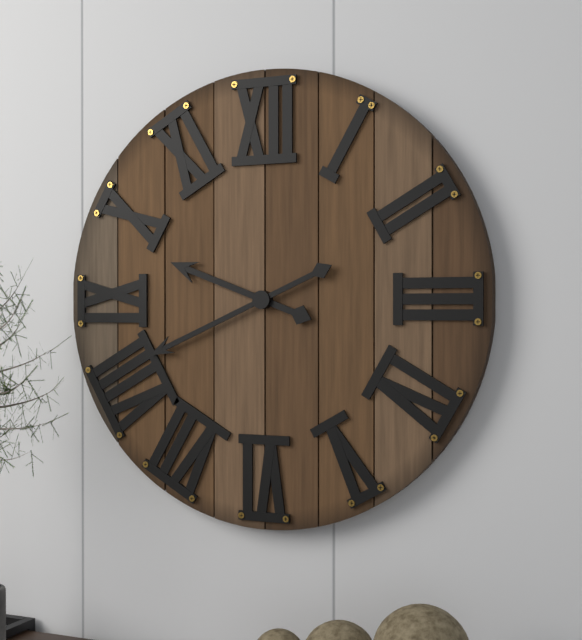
9:41
